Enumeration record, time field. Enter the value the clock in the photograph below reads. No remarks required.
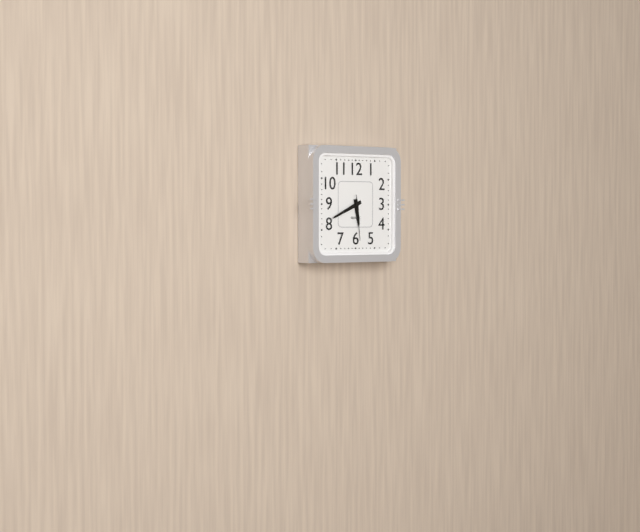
5:41
